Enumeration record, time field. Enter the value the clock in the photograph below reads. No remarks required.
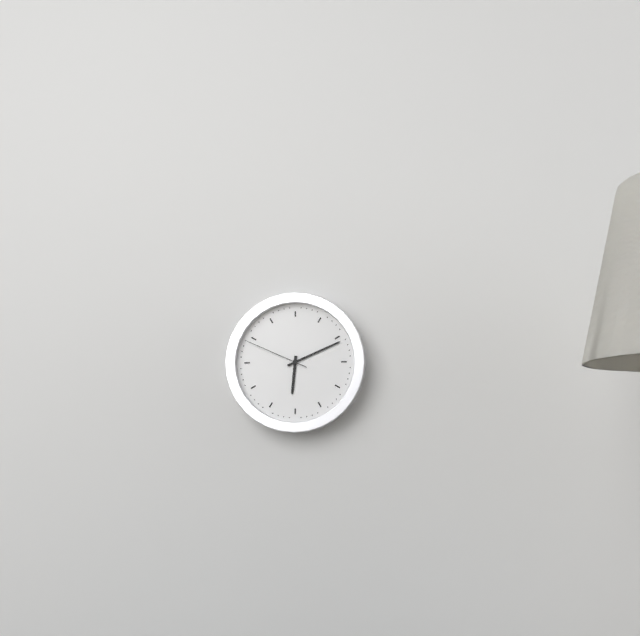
6:11:49
